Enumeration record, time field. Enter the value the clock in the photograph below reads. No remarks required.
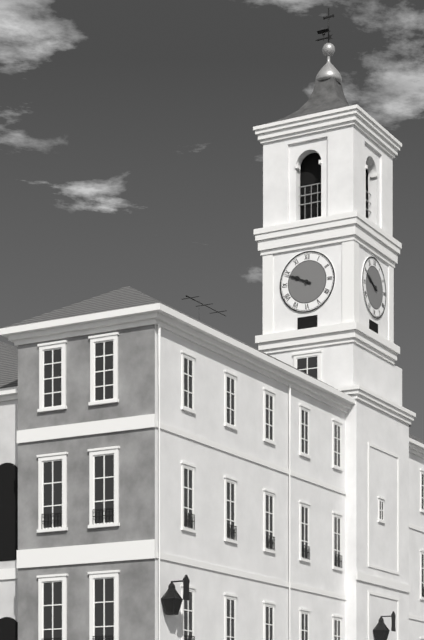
9:49
